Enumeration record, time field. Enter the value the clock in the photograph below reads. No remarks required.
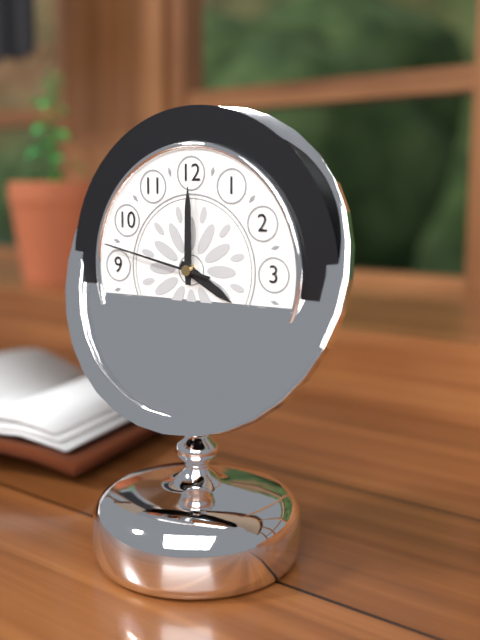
4:00:47
